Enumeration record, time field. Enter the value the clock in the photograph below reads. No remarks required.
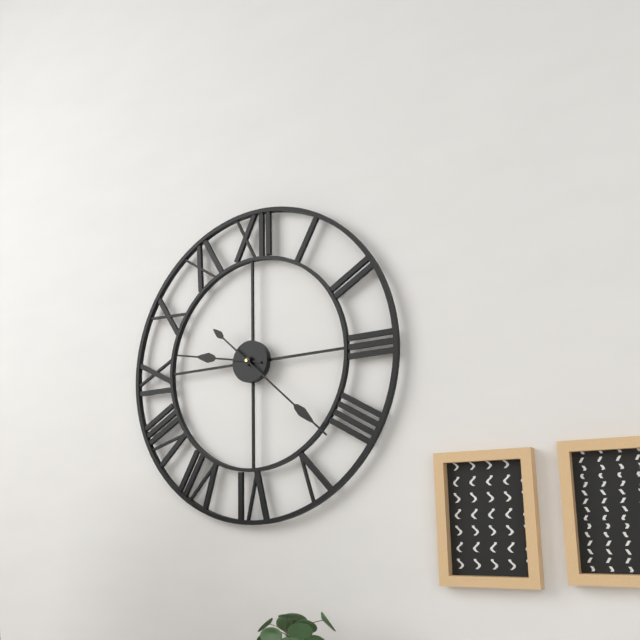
9:22
